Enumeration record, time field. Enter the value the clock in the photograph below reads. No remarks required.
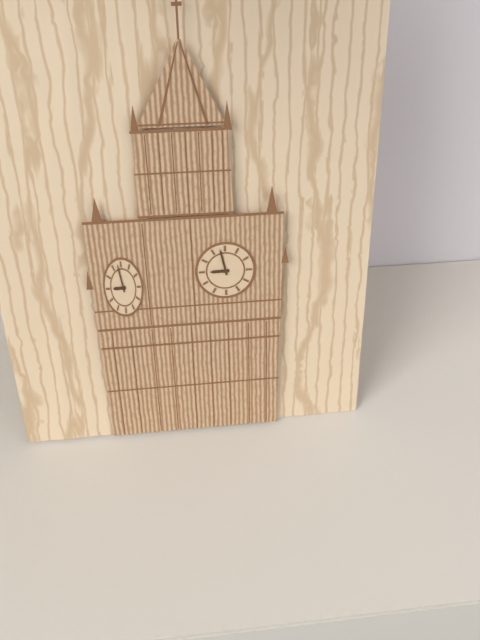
8:58
